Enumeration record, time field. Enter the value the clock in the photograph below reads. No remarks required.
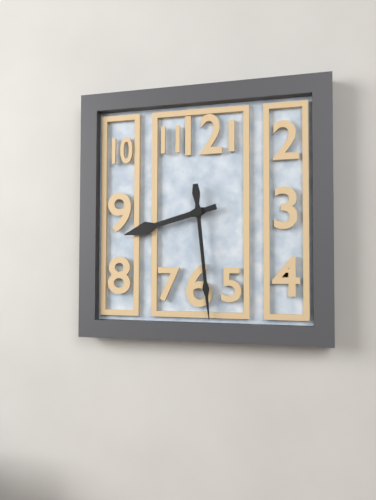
8:29
